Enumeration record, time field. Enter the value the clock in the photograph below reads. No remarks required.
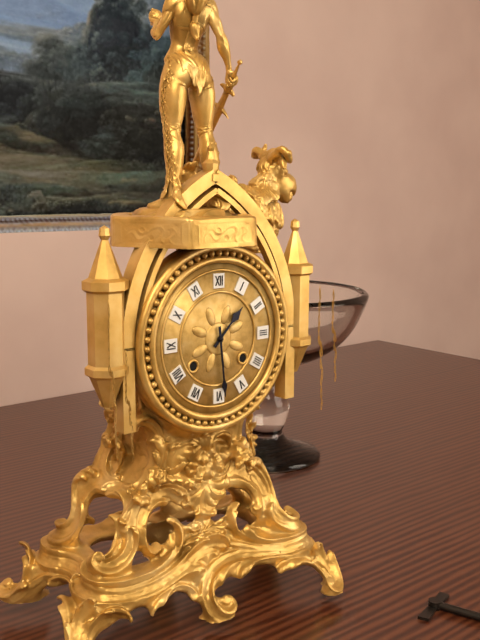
1:29
